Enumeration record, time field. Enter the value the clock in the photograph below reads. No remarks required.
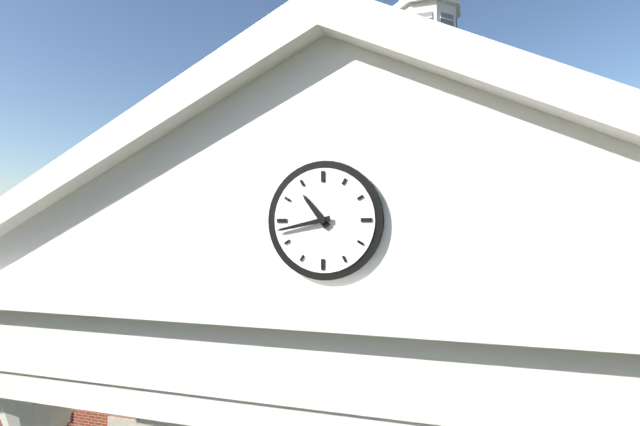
10:43
